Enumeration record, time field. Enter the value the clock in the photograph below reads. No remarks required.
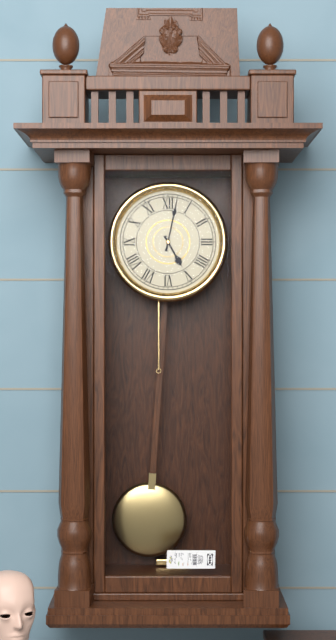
5:02
